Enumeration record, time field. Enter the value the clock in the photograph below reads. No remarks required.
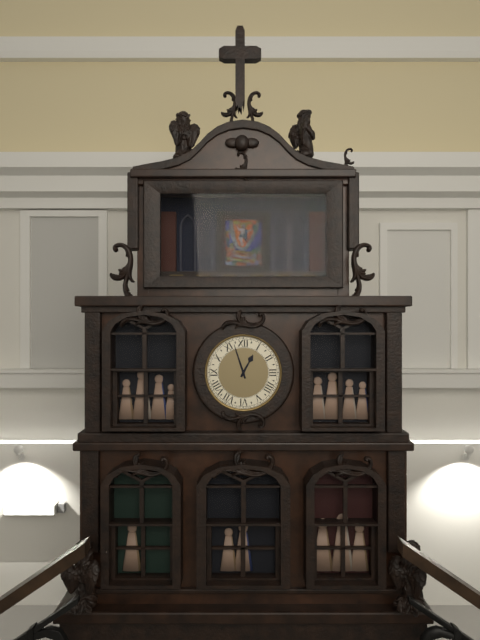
12:57
